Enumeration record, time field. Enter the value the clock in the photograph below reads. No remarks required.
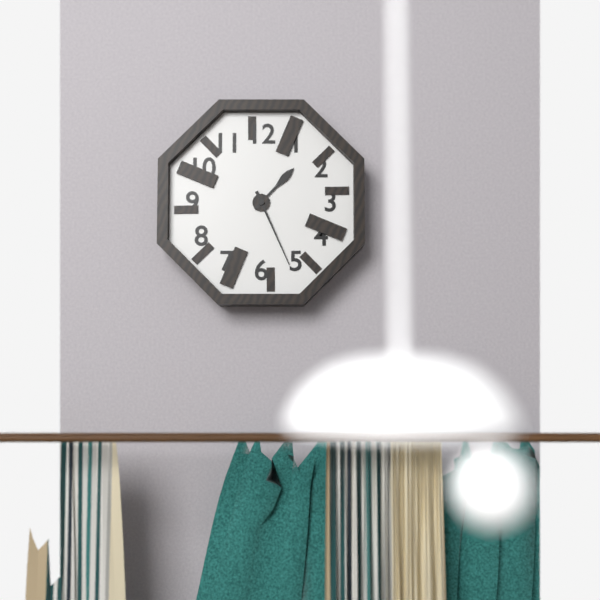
1:26
